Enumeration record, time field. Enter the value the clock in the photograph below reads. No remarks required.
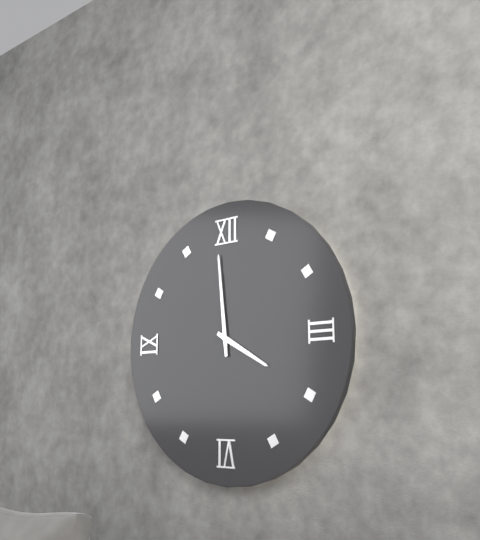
3:59
